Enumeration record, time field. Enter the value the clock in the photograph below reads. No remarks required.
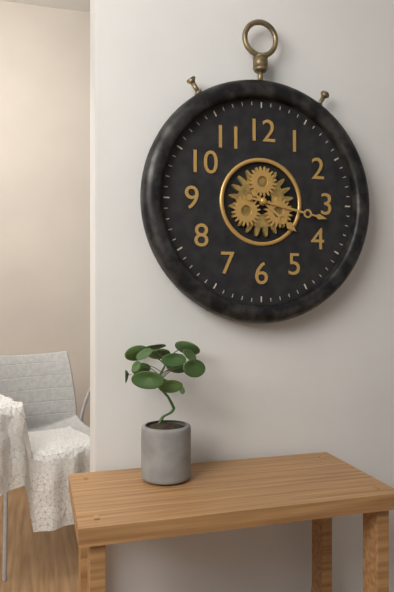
4:17
